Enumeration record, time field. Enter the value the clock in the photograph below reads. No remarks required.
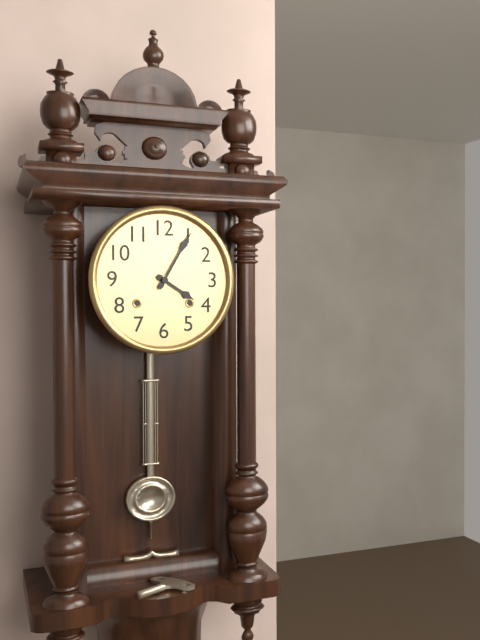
4:05
